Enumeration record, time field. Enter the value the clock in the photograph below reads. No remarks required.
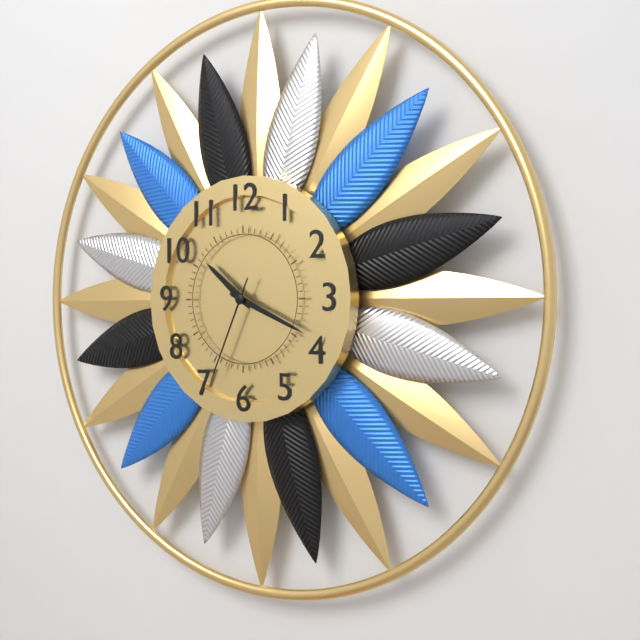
10:19:34
